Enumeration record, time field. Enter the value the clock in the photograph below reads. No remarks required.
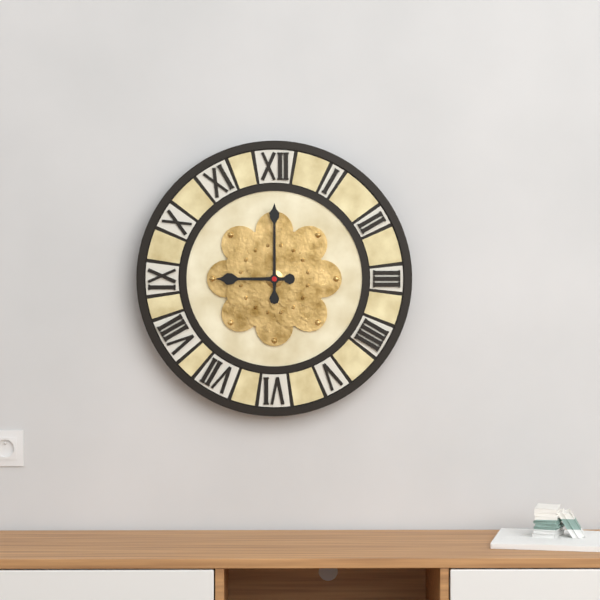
9:00
